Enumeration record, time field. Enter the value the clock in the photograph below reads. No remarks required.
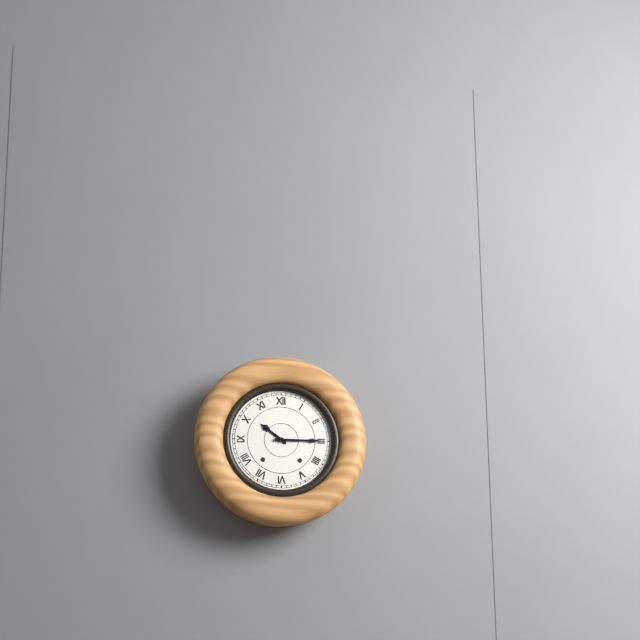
10:15
